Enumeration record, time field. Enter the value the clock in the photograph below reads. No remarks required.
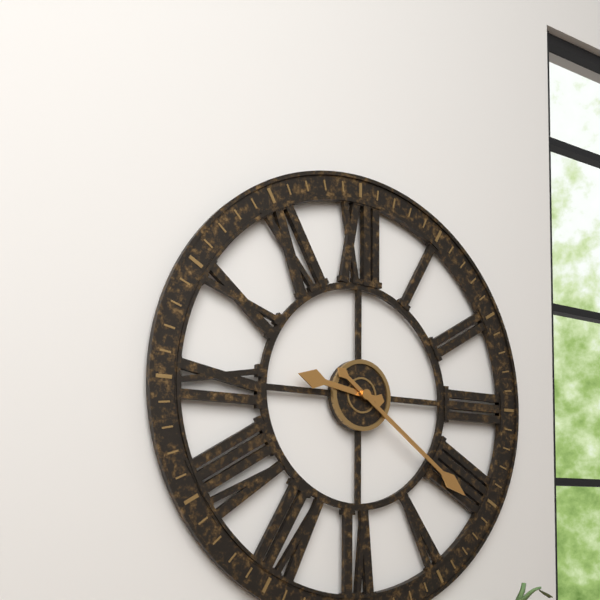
9:21
